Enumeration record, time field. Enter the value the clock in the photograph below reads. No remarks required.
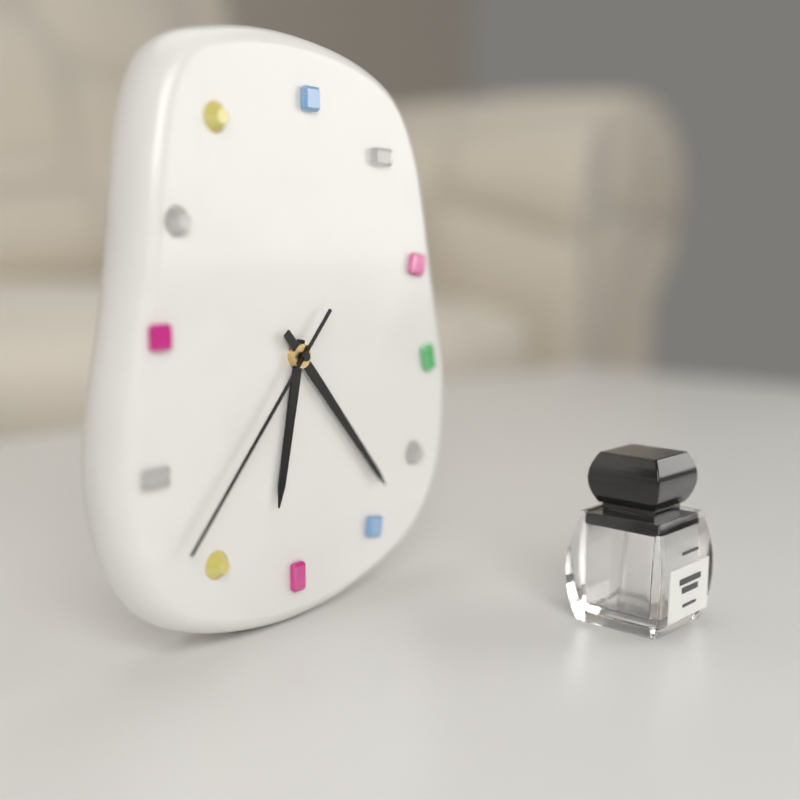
6:23:37
